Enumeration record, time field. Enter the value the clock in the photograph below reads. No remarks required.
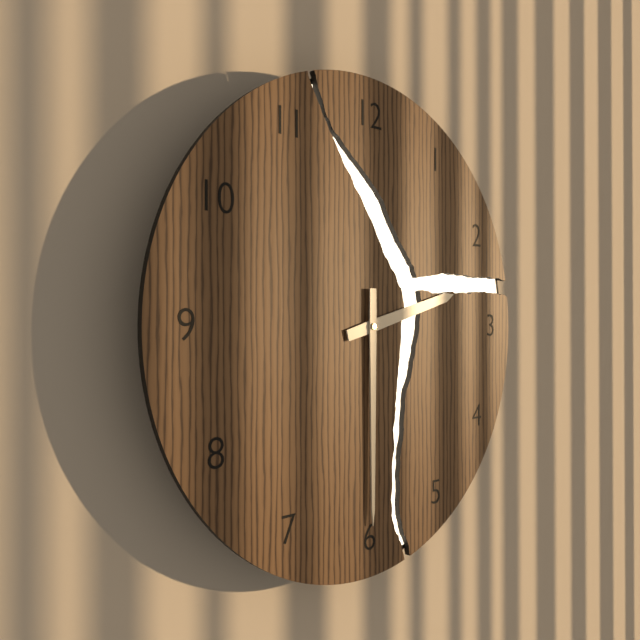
2:30
